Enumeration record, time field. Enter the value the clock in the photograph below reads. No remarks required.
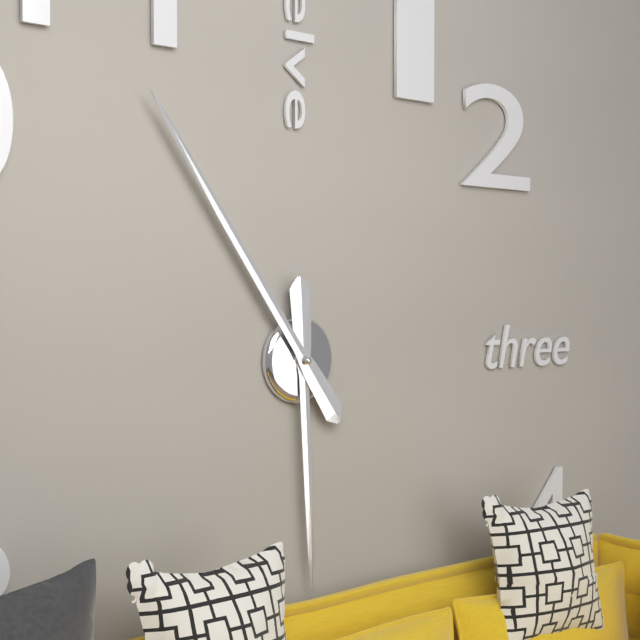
5:54
